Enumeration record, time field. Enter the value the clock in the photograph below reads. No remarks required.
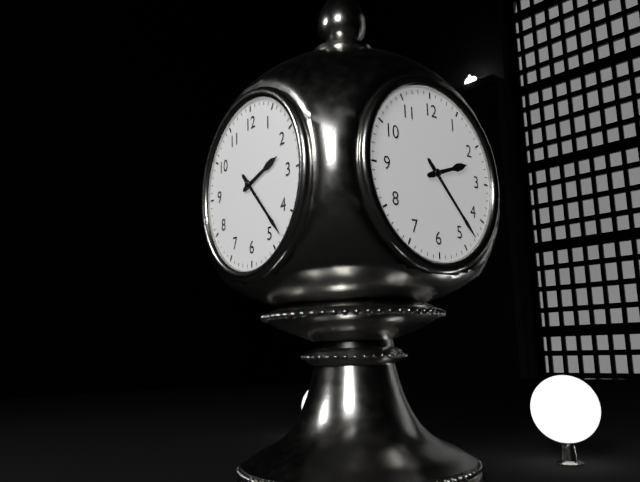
2:23
